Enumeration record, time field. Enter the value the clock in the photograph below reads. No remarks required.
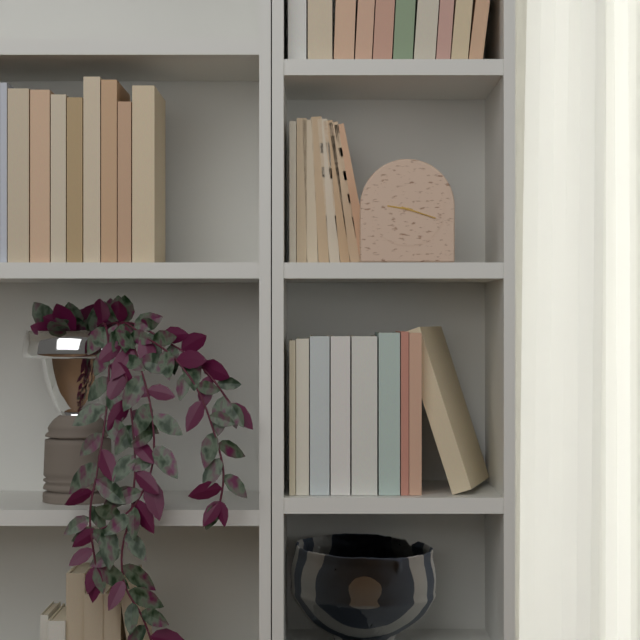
9:18
